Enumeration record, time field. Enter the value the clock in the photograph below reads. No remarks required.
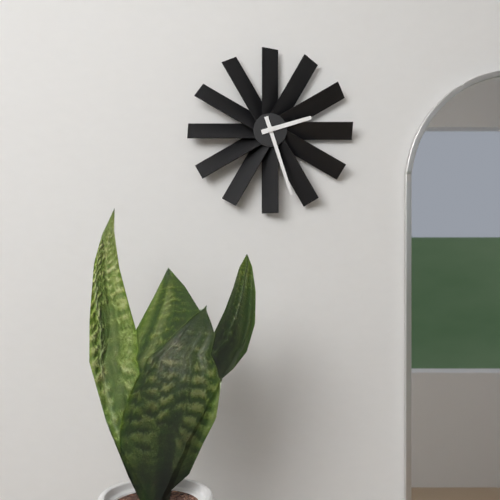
2:27
